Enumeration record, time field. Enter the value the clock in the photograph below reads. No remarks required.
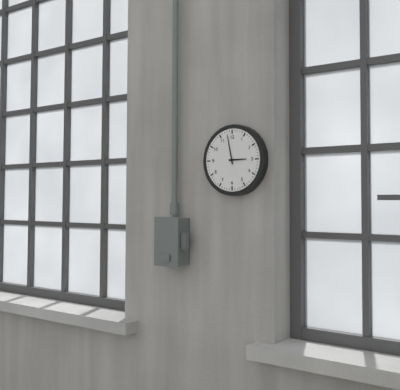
2:58
